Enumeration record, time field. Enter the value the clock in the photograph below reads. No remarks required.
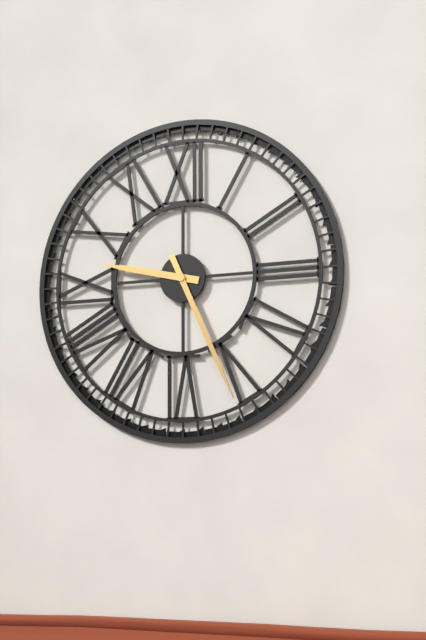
9:26
